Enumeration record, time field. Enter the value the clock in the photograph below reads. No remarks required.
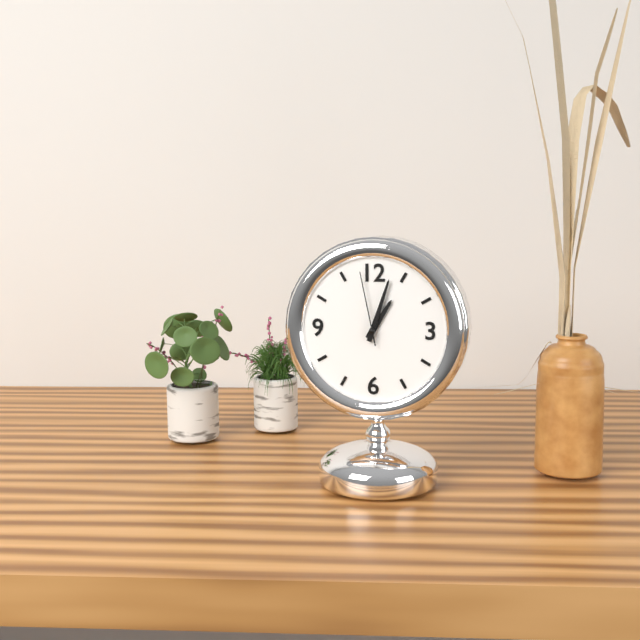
1:03:58
